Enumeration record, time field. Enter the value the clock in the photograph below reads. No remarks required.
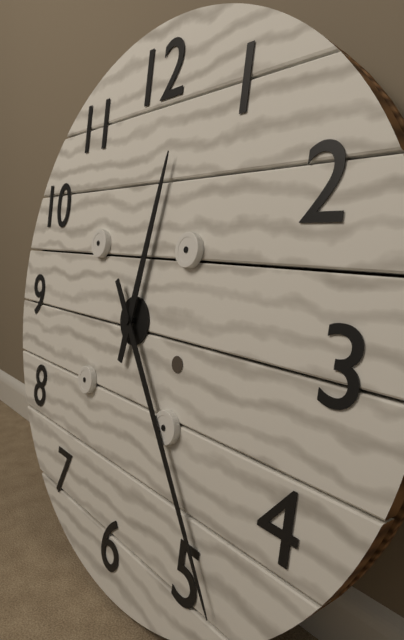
12:24
